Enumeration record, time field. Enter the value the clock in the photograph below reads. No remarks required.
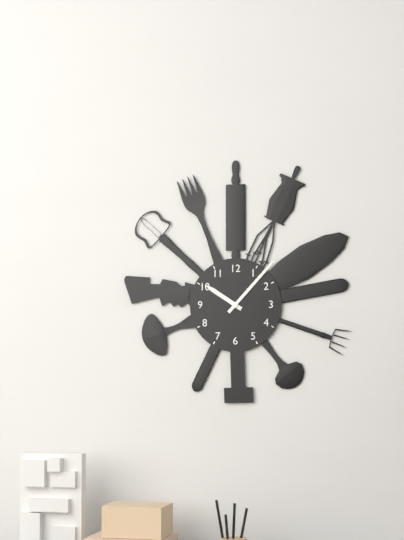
10:07
